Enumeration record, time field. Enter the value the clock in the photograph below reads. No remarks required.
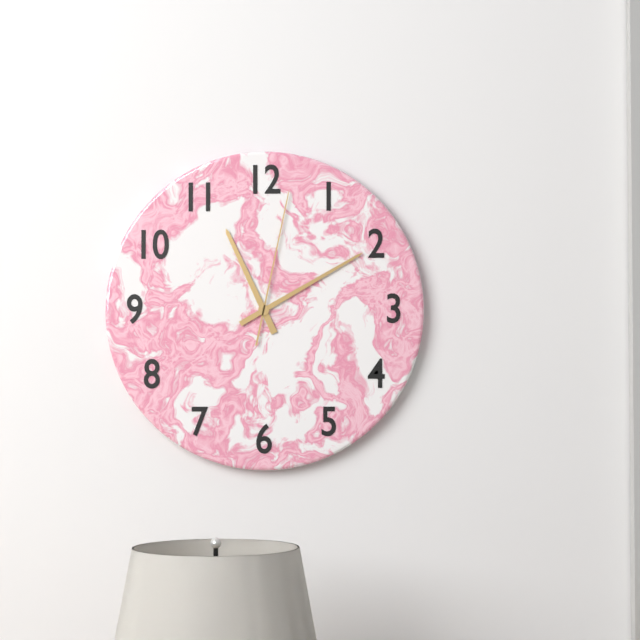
11:10:02
